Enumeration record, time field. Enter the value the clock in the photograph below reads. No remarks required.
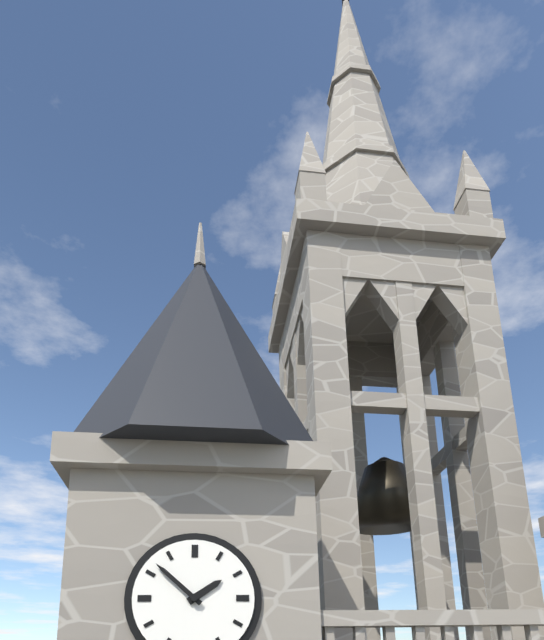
1:52
